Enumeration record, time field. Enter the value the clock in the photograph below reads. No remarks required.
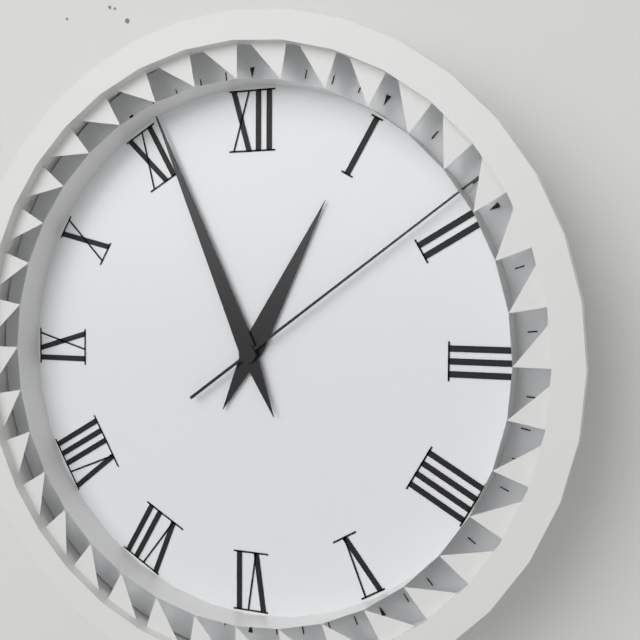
12:56:09
